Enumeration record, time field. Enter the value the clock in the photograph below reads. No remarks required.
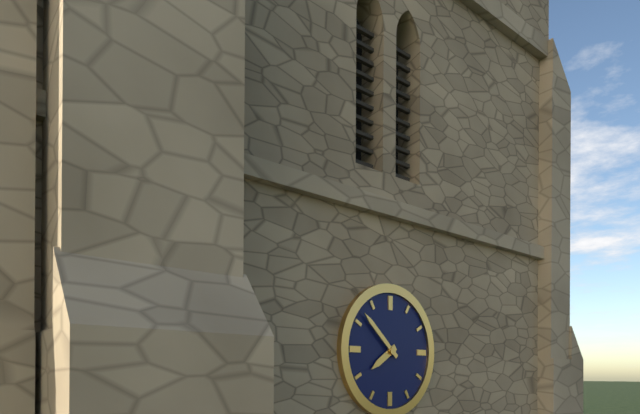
7:52
